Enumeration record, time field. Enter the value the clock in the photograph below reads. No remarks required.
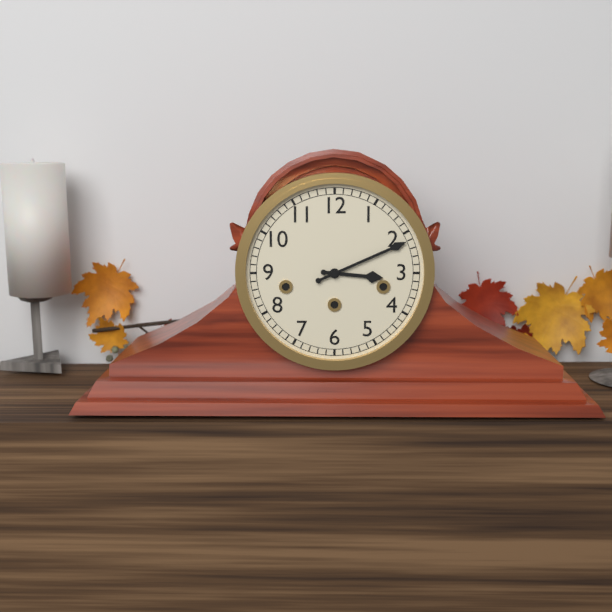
3:11
